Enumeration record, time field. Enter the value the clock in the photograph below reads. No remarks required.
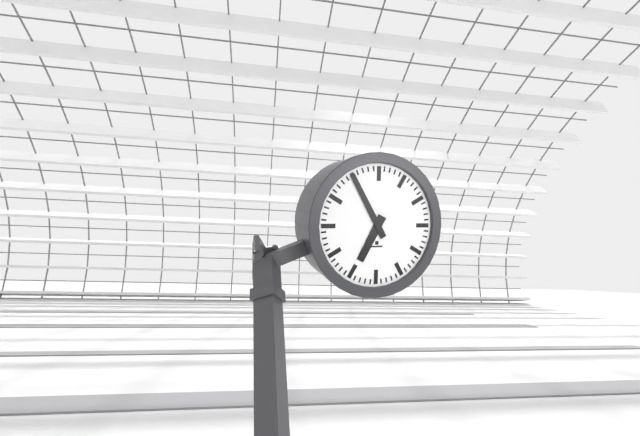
6:55
